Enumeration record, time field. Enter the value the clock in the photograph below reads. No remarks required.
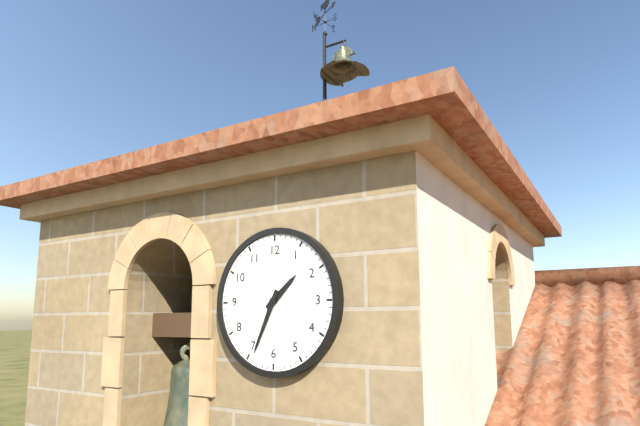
1:34
